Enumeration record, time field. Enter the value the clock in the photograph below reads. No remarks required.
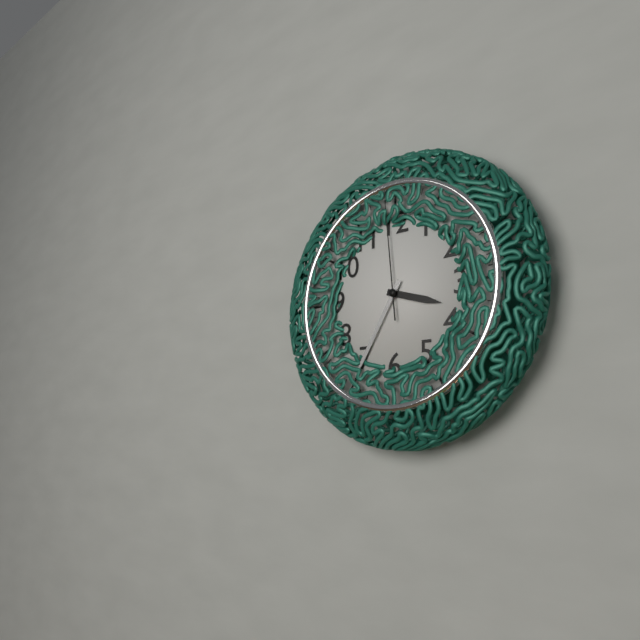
3:35:59
